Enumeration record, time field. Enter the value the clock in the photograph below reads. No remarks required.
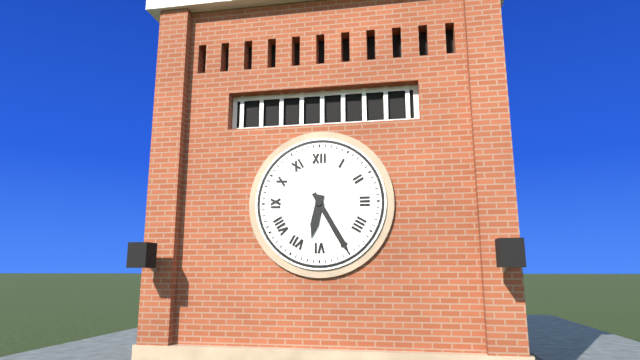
6:25
